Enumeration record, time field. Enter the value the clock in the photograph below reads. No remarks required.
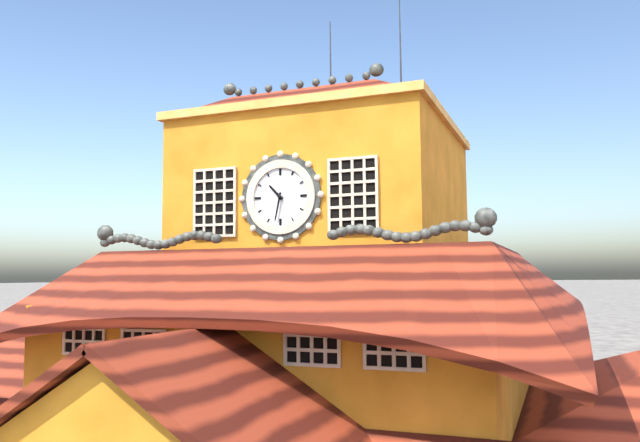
10:32
